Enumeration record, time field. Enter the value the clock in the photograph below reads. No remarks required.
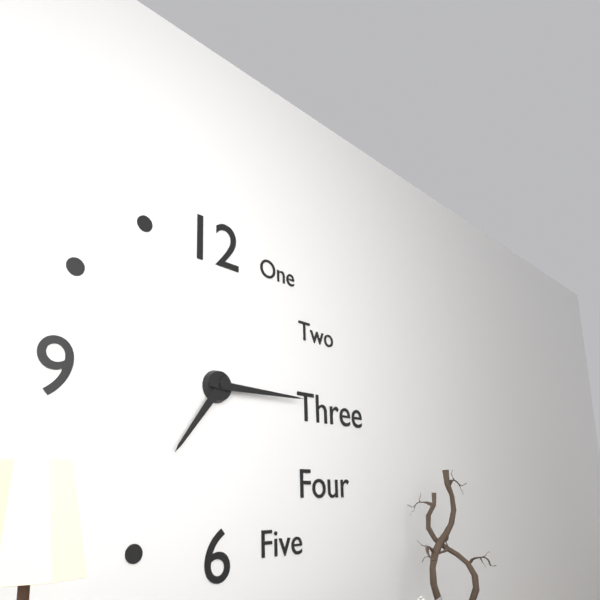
7:15
